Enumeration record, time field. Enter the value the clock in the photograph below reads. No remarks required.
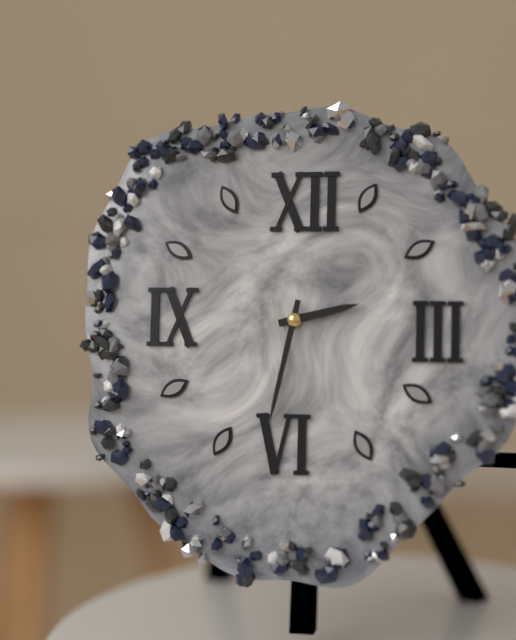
2:32
